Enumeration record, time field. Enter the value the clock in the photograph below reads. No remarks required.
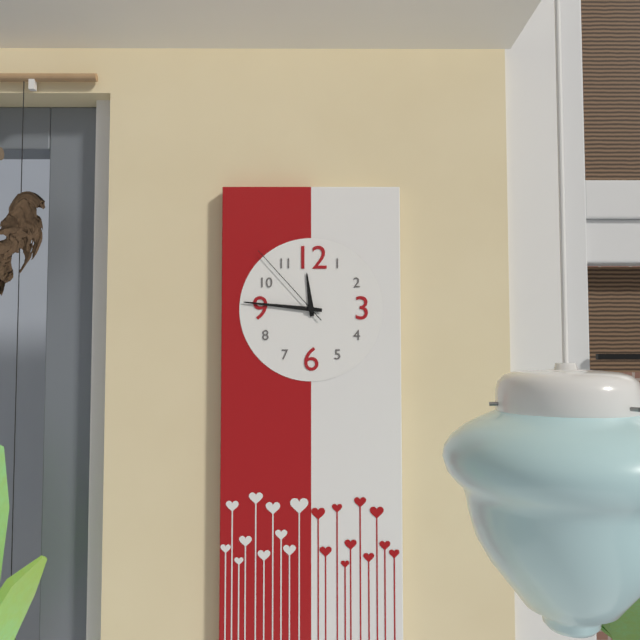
11:46:53
